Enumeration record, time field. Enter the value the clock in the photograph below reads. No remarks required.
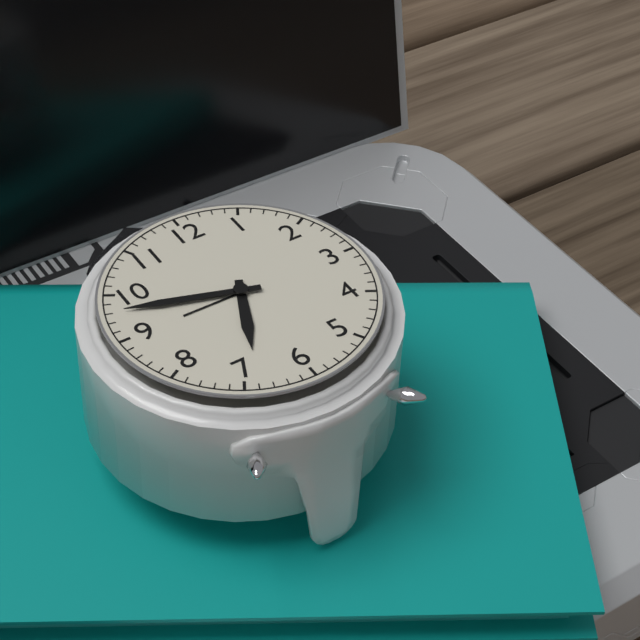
6:48
